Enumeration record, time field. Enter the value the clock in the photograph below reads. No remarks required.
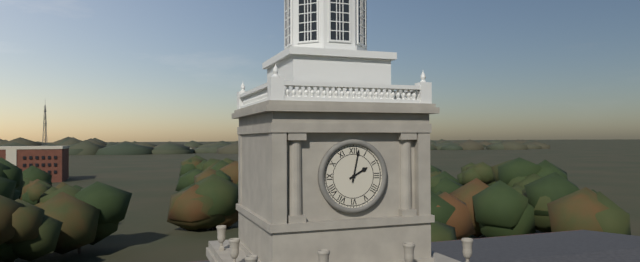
2:02
